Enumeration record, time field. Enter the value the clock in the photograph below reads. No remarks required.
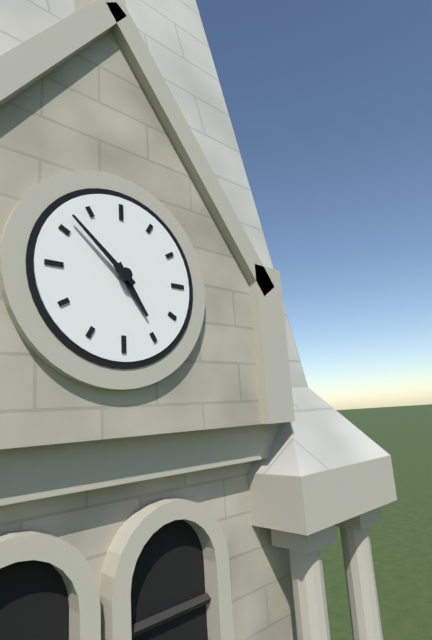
4:52
